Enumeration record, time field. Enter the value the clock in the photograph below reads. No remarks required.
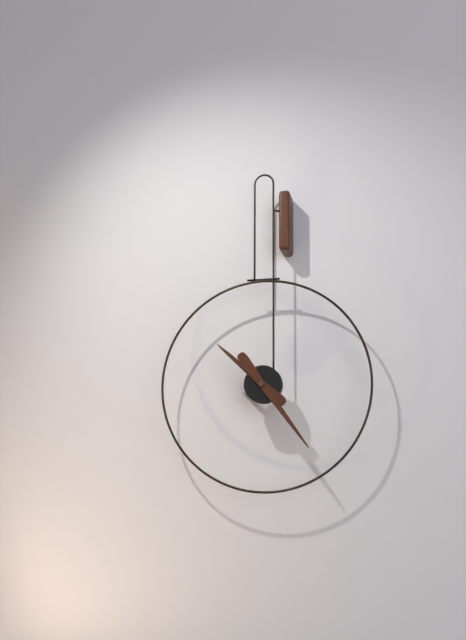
10:24
